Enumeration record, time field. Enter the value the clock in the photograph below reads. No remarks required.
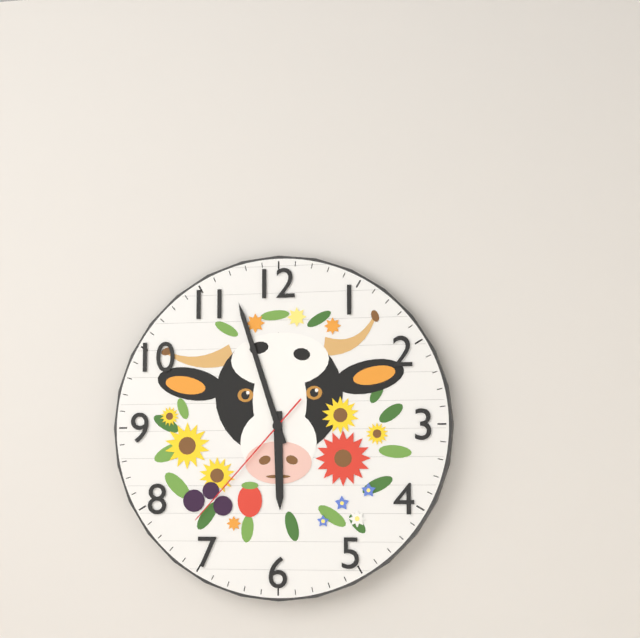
5:57:37
